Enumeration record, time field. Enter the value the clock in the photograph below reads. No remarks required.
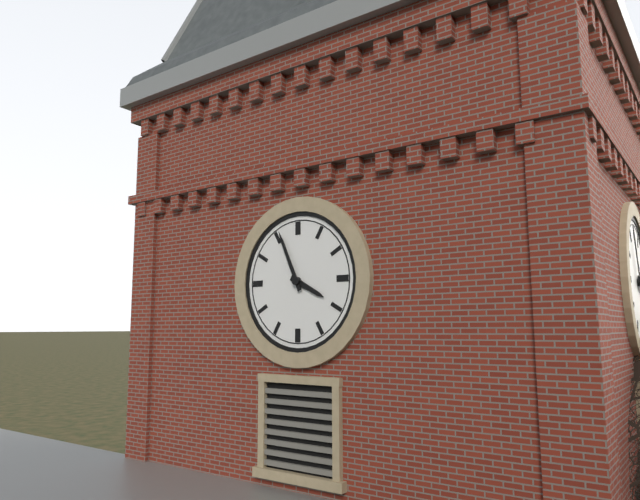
3:56
